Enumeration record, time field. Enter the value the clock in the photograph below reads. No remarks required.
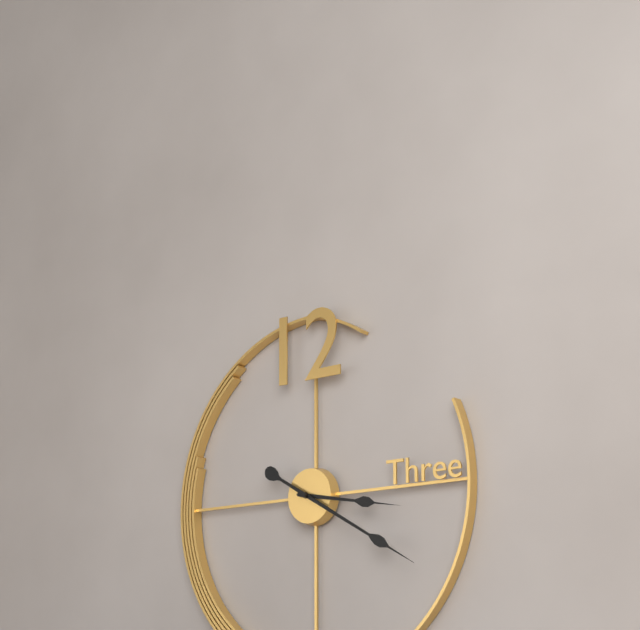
3:20
